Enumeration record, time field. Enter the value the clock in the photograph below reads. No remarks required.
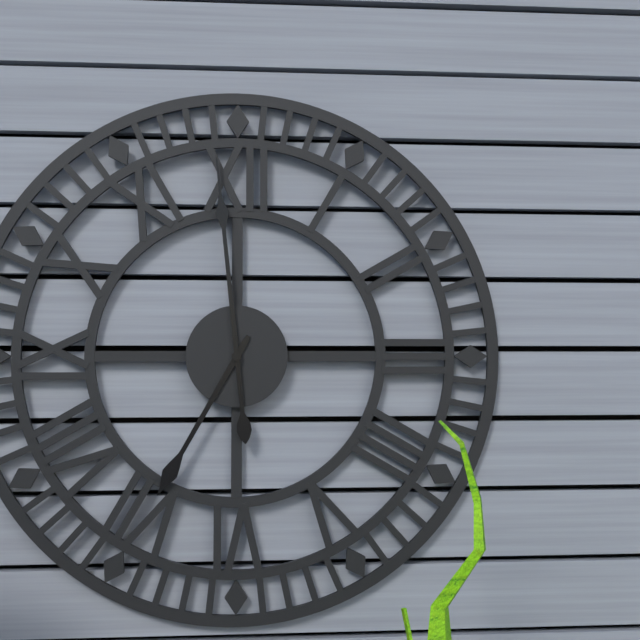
6:59
